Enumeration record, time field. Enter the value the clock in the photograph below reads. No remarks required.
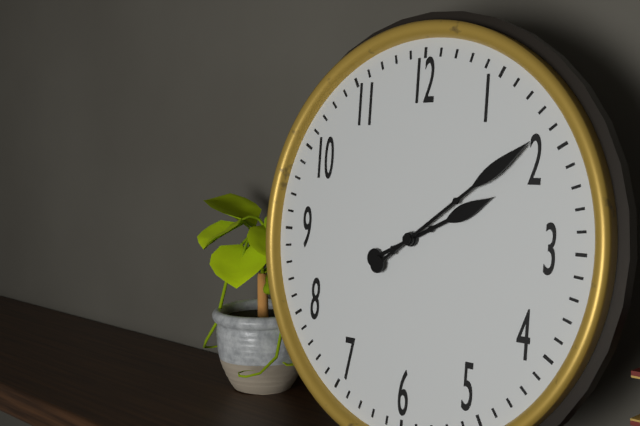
2:09
